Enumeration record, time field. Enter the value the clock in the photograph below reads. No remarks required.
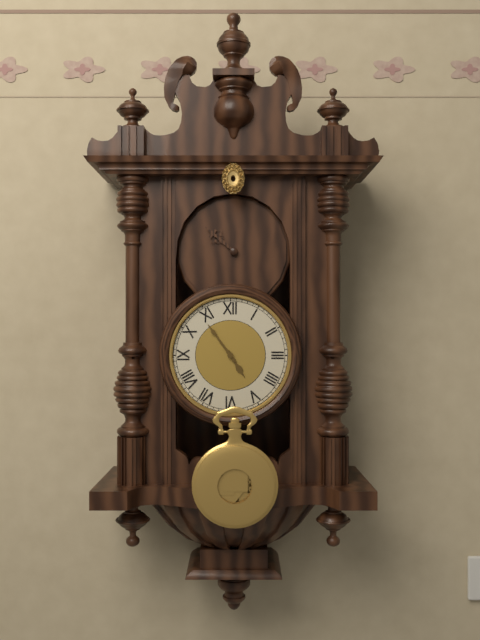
4:54
